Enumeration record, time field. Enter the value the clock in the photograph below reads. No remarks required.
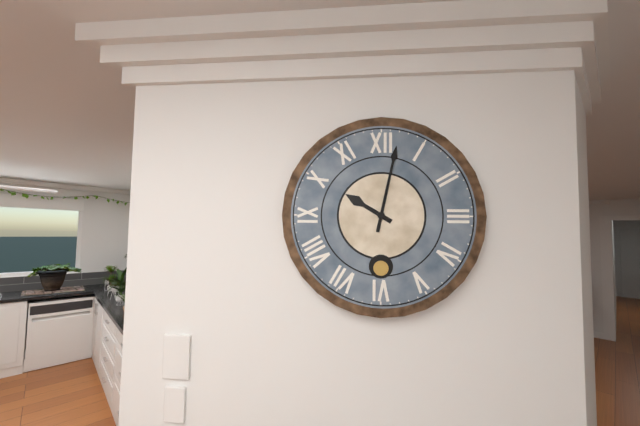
10:02
